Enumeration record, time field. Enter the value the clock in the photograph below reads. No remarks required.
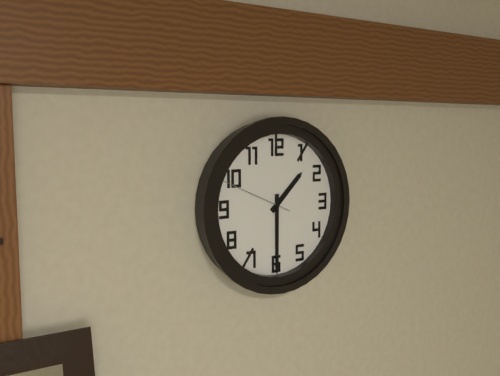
1:30:49
